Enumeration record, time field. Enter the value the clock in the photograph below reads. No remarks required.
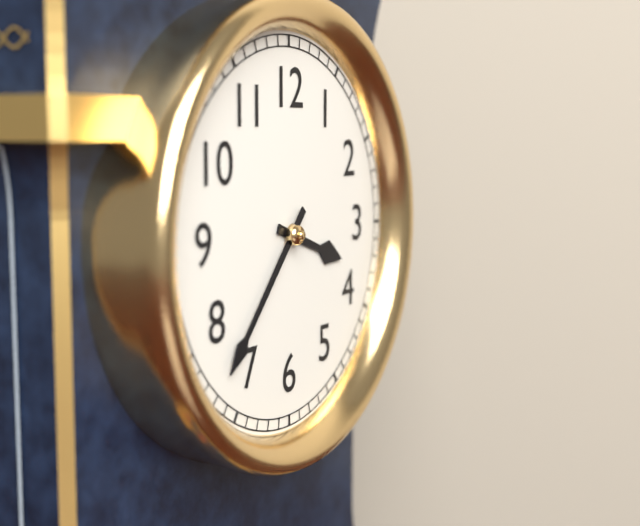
3:37
